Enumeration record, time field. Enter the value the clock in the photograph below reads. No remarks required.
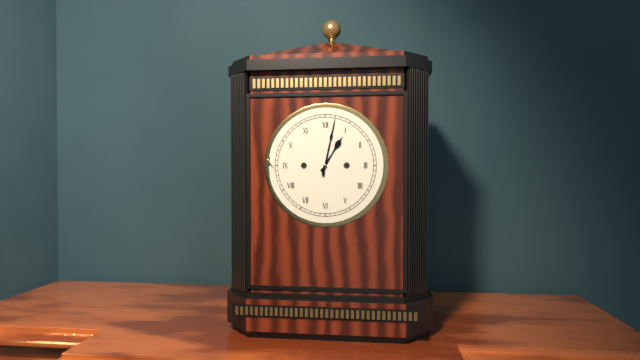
1:02
